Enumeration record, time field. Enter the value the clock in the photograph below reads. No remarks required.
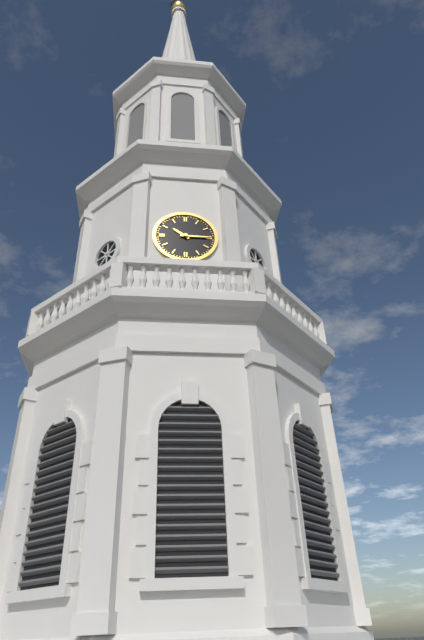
10:15
